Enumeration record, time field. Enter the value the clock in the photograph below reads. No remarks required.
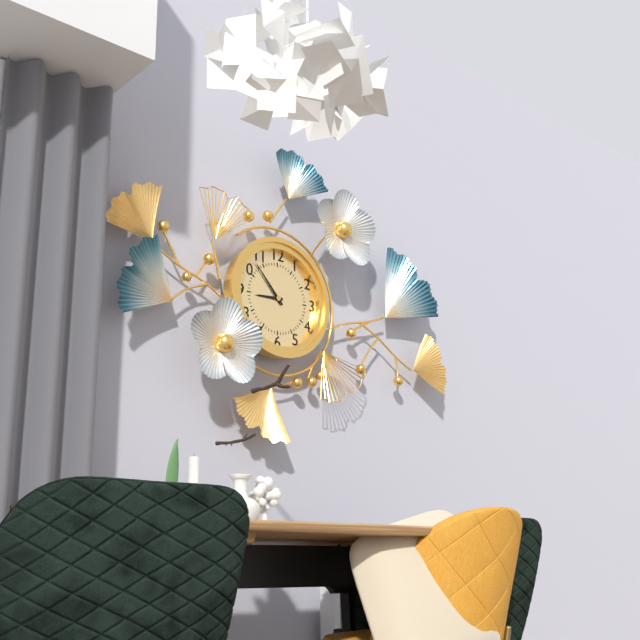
8:53
